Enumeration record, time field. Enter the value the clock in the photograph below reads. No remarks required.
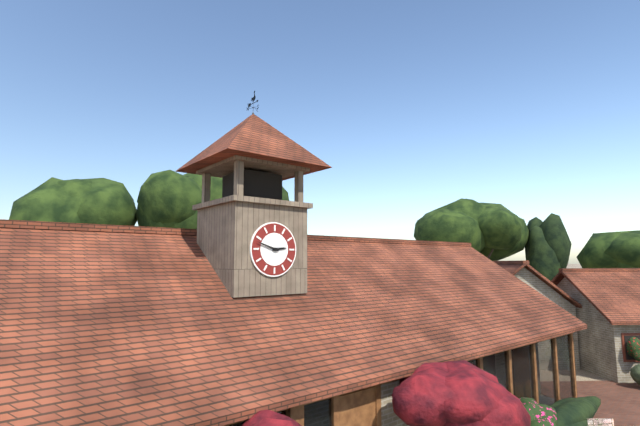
2:48
